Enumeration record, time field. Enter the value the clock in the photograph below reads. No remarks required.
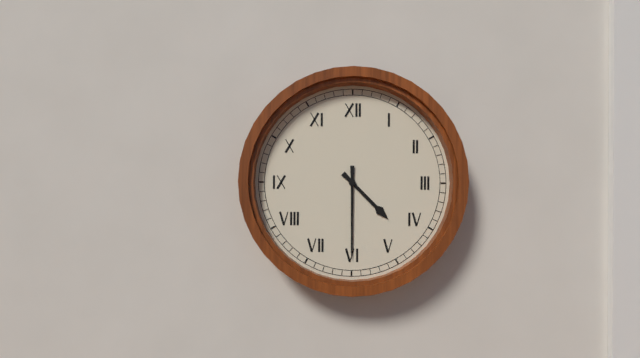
4:30
